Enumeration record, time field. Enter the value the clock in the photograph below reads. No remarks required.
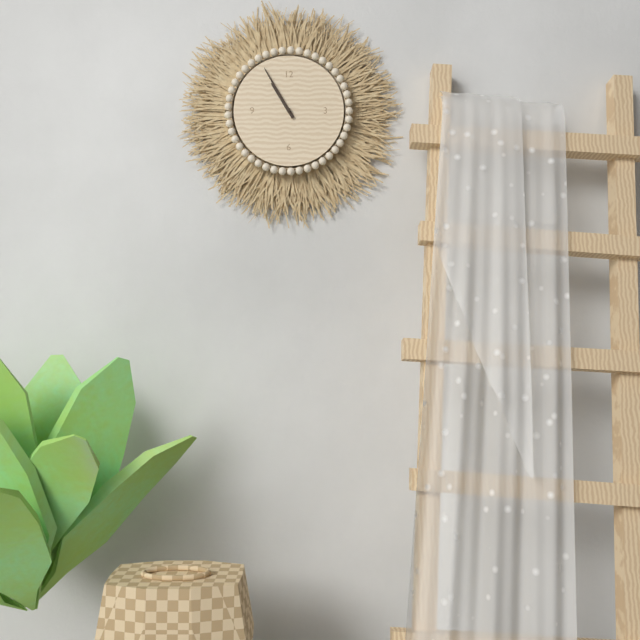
10:55
